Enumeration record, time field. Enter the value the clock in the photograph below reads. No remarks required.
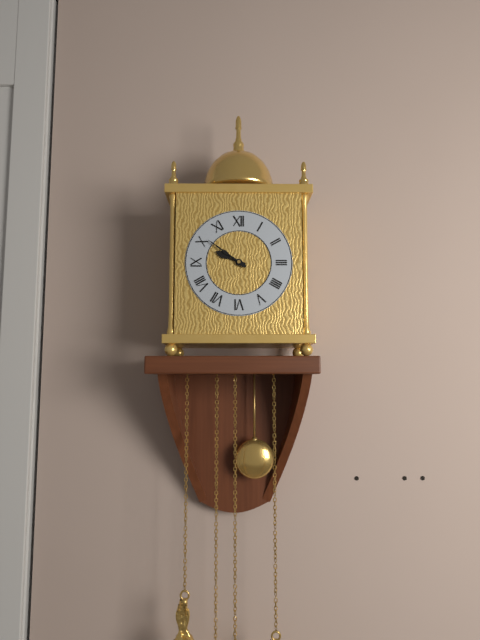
9:51
